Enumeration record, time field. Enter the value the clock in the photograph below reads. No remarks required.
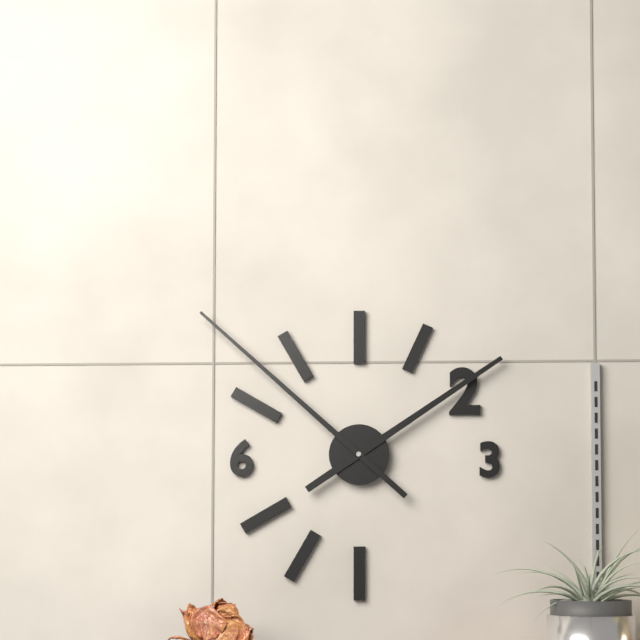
1:52
